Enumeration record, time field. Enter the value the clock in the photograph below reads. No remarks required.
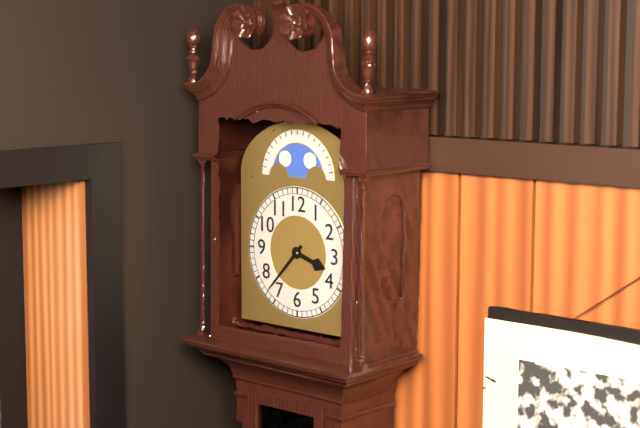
3:37
